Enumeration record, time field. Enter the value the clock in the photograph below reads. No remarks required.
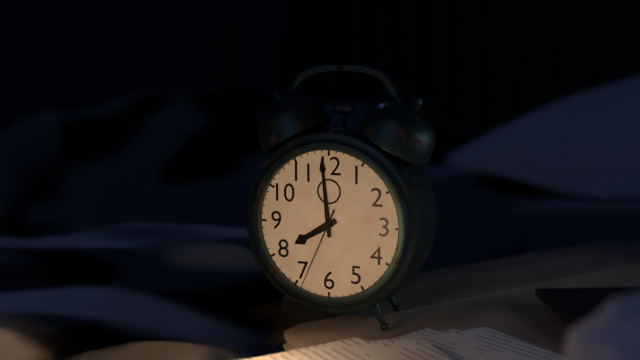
7:59:34
